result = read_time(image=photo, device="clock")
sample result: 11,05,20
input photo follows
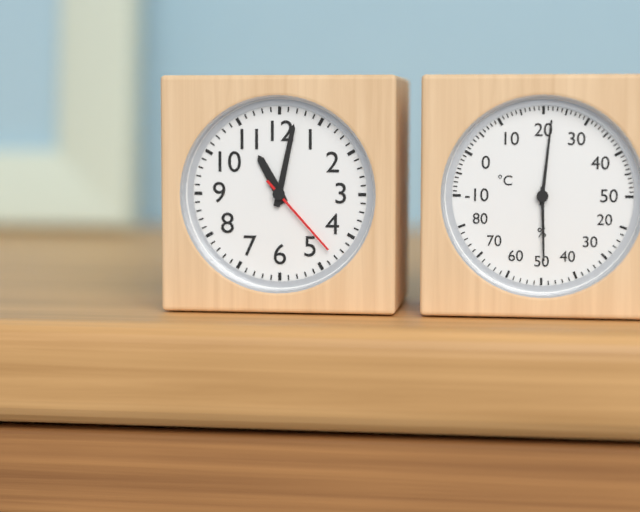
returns 11,02,23
